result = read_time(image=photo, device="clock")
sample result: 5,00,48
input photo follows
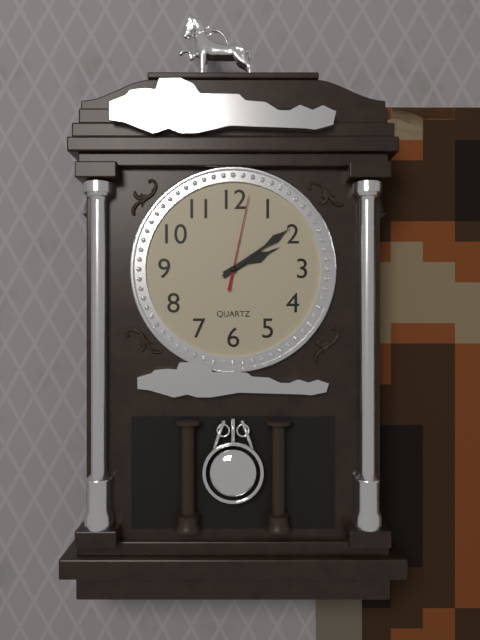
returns 2,09,02
